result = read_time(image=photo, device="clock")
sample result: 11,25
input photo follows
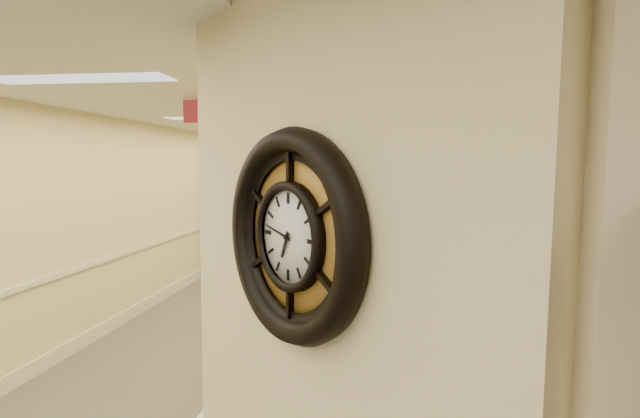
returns 6,47
